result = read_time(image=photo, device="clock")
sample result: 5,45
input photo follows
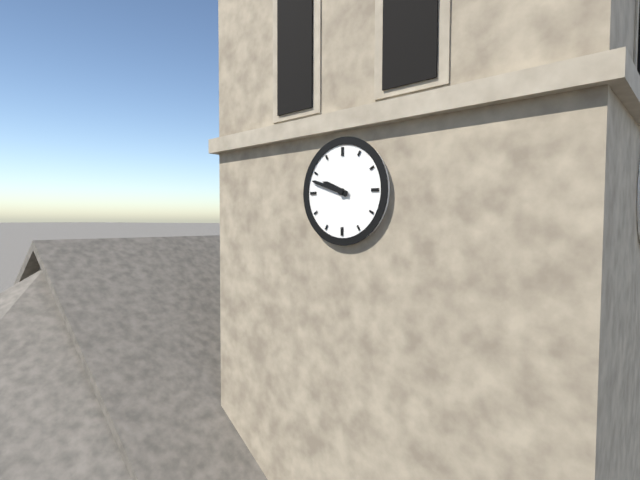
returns 9,48
